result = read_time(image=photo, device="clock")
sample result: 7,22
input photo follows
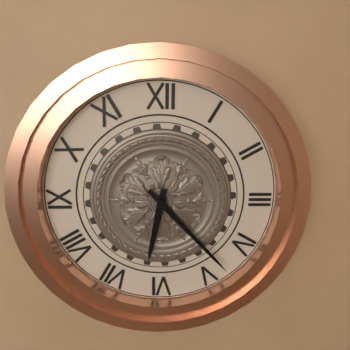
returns 6,23
